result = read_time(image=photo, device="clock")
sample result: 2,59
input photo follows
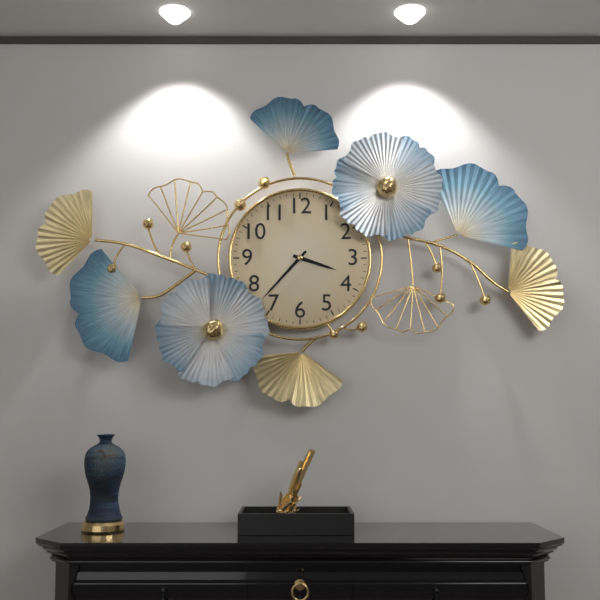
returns 3,37
